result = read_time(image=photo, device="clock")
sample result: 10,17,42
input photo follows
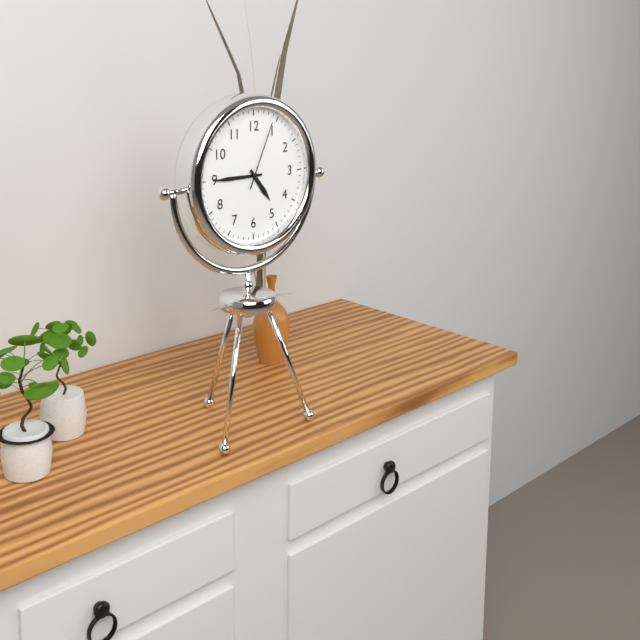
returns 4,45,04
